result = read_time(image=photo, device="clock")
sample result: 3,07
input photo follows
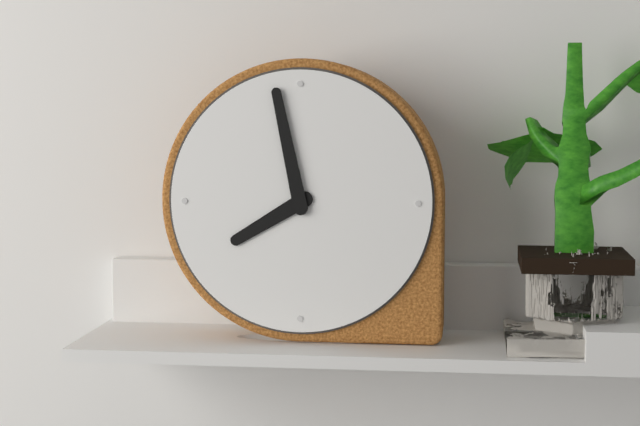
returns 7,58
